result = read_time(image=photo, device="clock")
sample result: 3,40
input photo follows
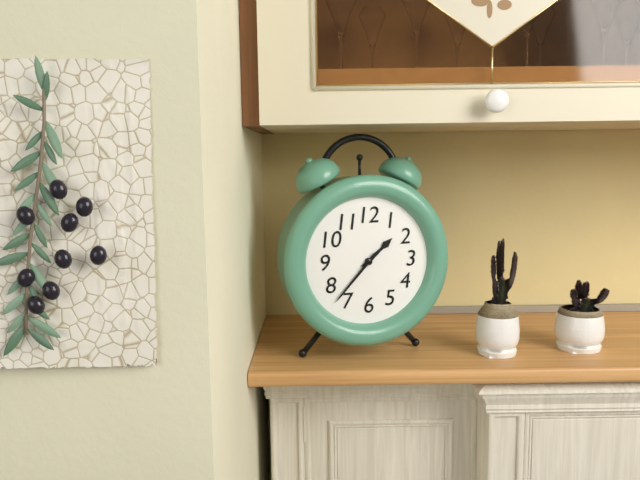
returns 1,37
